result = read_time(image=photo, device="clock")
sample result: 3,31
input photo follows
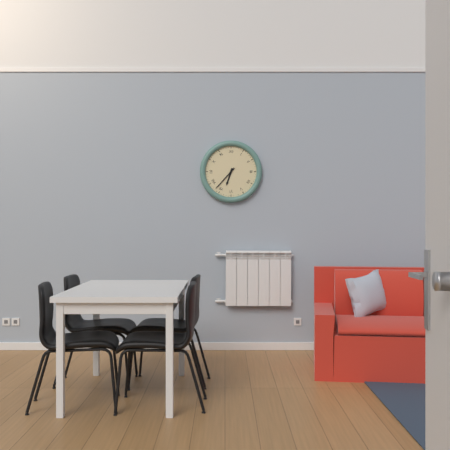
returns 6,37
